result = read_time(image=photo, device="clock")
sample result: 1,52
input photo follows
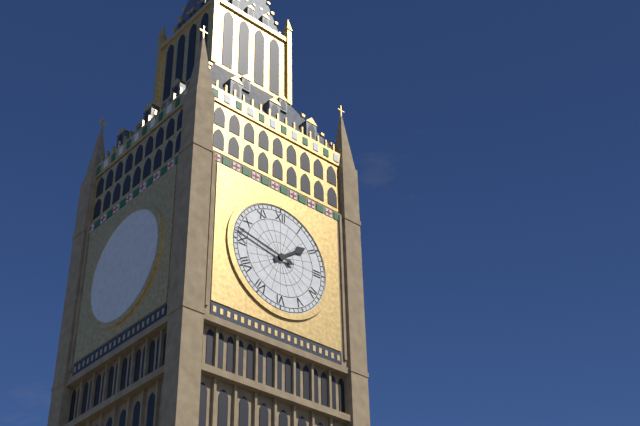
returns 1,47
